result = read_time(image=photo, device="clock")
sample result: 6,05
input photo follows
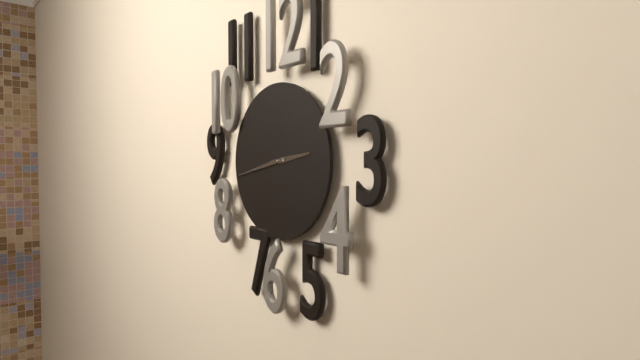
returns 2,43
